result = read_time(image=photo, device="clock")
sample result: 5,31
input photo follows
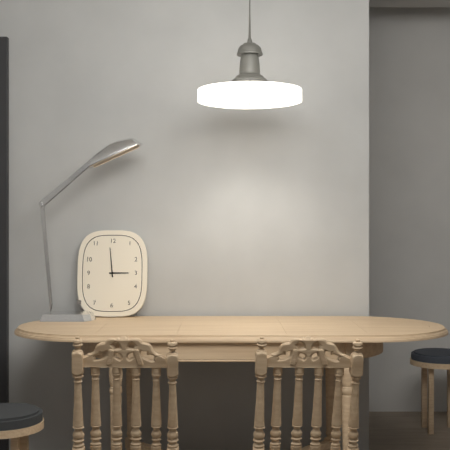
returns 2,59
